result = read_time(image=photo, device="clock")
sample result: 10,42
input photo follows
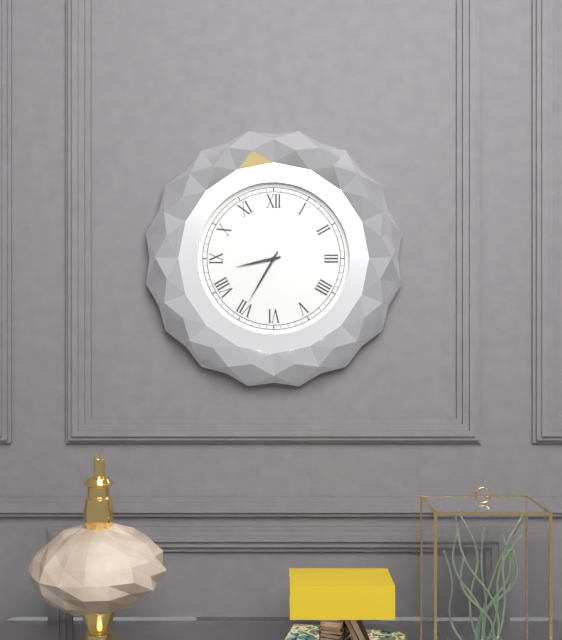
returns 8,35
